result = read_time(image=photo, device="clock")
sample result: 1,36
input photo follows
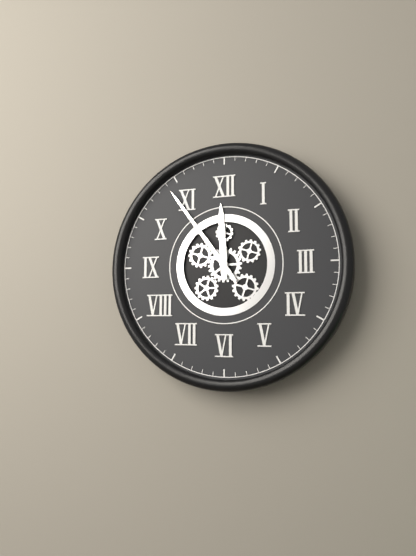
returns 11,54
